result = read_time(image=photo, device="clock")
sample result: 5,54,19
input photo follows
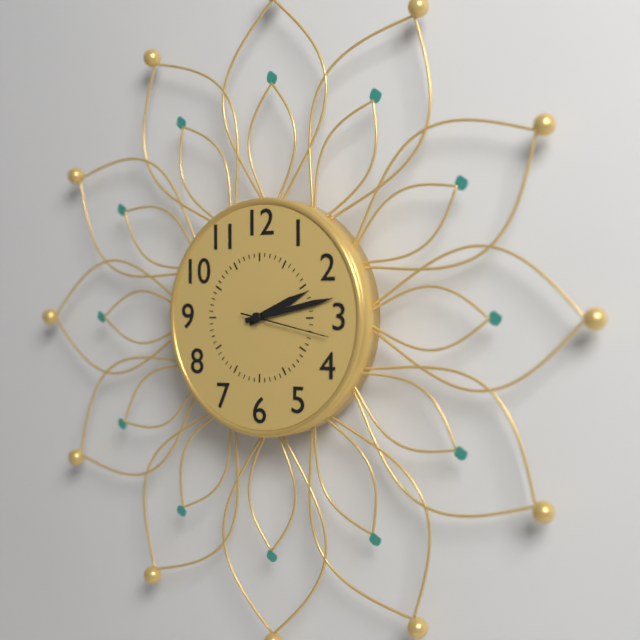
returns 2,13,17
